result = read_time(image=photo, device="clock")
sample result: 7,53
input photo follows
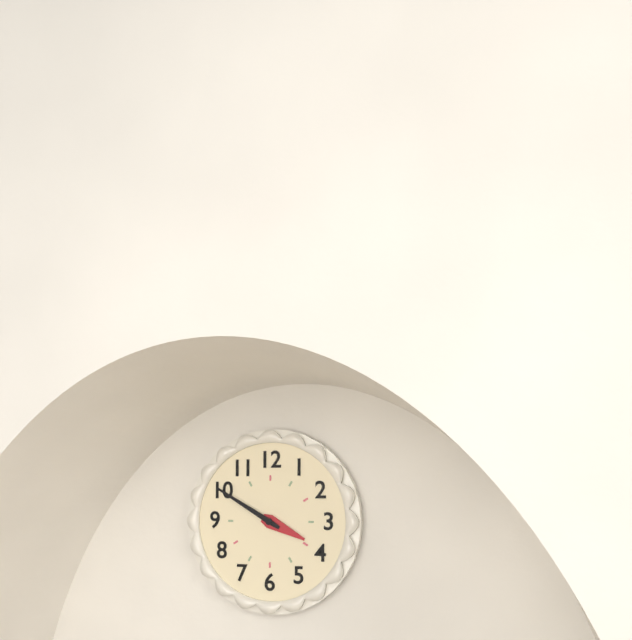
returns 3,50
